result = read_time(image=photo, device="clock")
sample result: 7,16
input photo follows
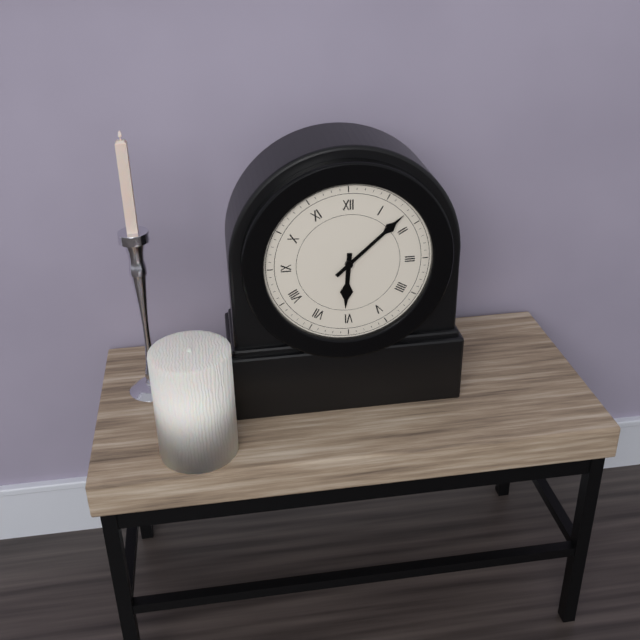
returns 6,08
